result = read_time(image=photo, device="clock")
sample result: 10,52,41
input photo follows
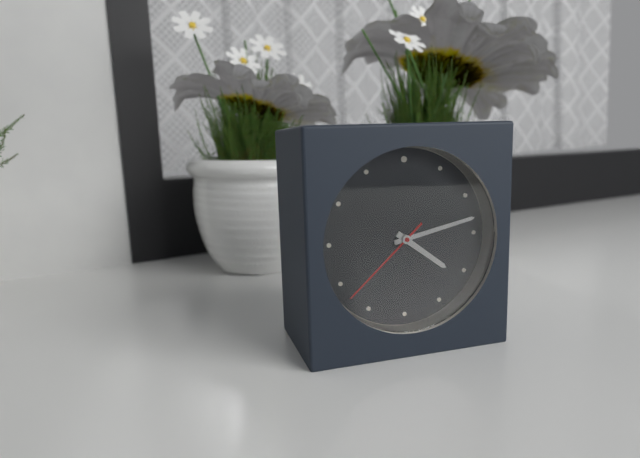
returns 4,13,38
